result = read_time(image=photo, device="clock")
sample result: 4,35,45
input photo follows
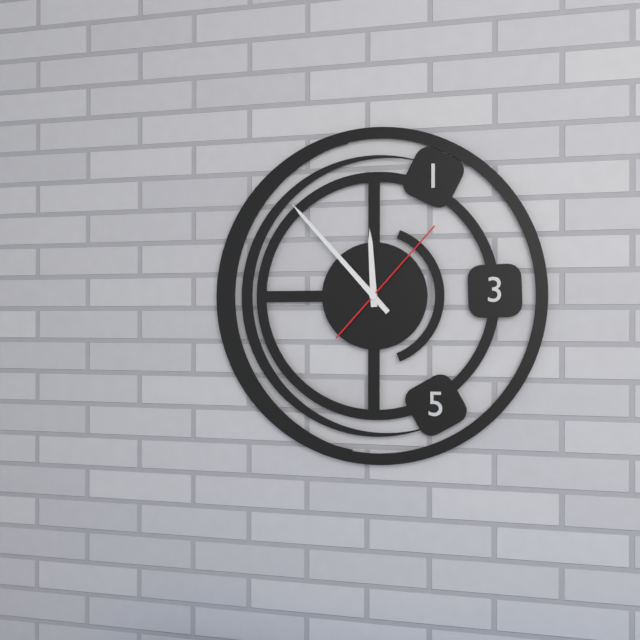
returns 11,53,07
